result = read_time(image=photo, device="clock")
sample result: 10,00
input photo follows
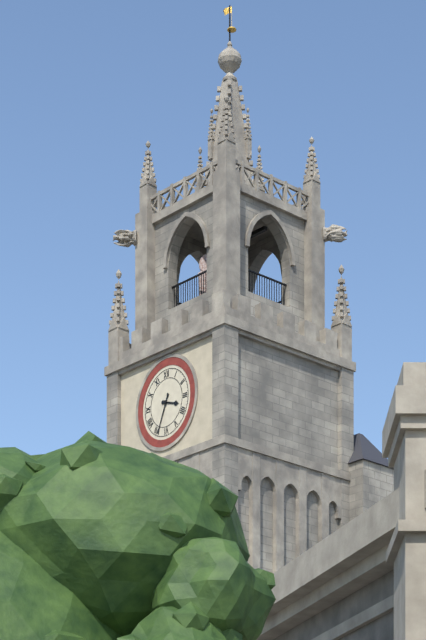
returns 3,34
